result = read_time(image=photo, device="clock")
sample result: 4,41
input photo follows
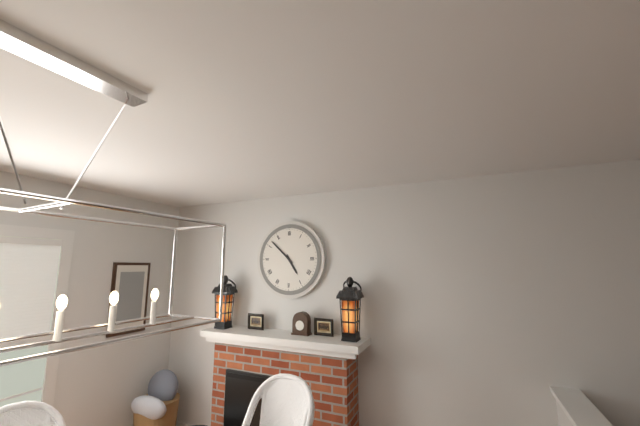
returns 4,52
